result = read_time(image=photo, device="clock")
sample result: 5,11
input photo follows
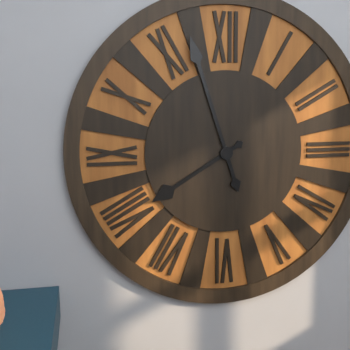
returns 7,57
